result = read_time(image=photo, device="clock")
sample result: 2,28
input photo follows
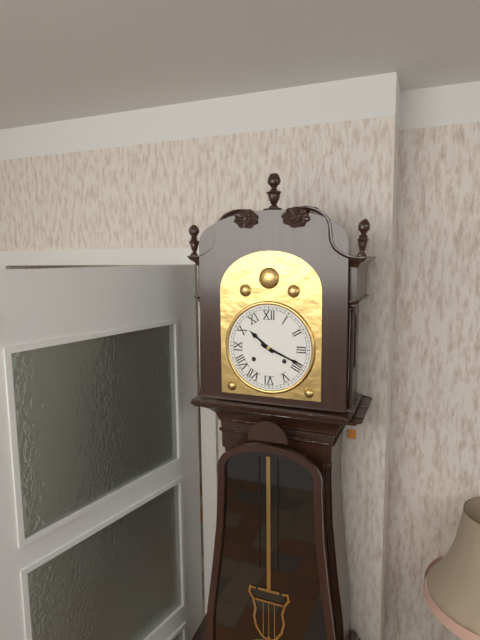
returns 10,19
